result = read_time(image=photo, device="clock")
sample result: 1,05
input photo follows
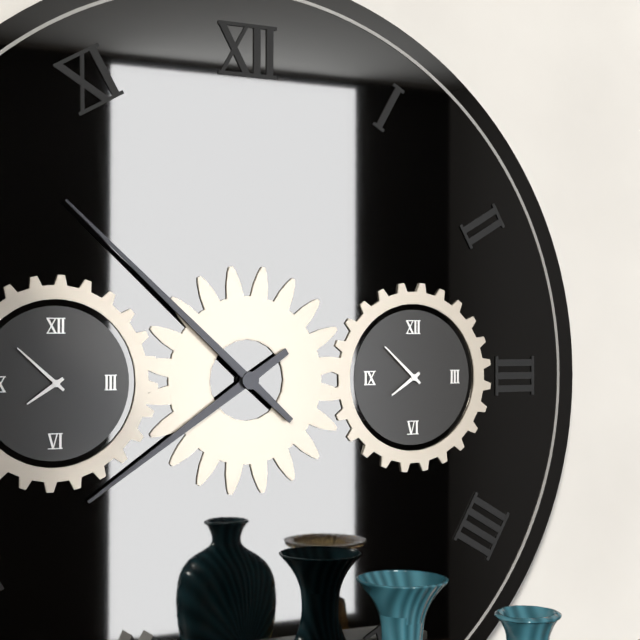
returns 7,52
